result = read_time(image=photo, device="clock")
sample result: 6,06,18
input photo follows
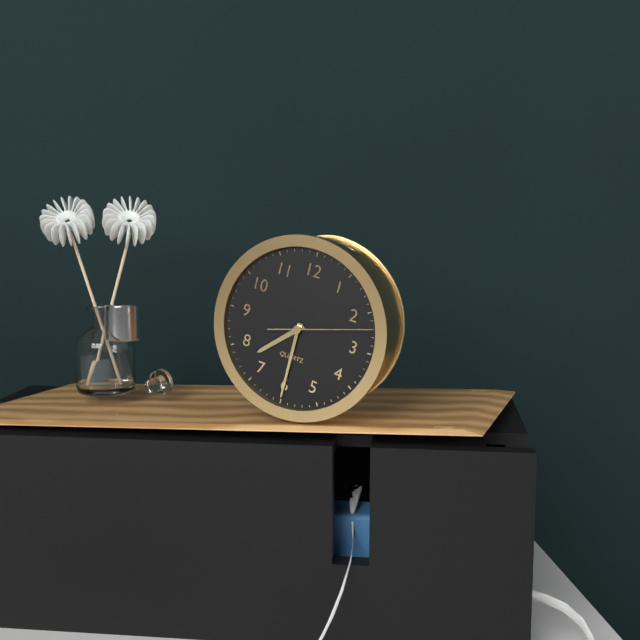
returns 7,30,12
